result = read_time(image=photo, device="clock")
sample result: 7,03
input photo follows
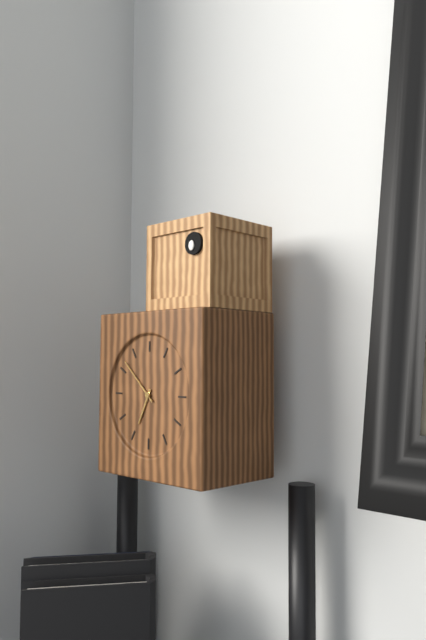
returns 6,52
